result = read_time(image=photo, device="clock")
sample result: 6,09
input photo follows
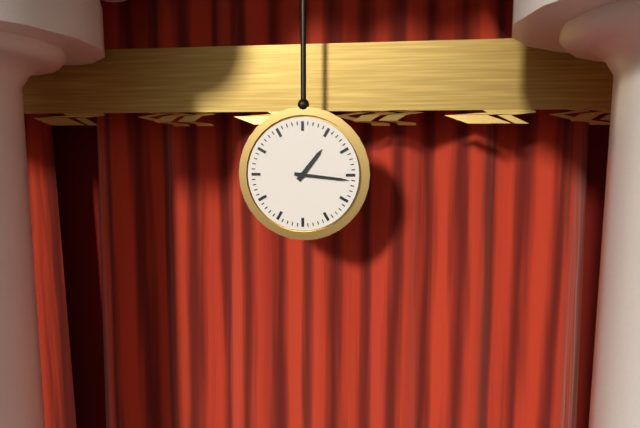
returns 1,16
